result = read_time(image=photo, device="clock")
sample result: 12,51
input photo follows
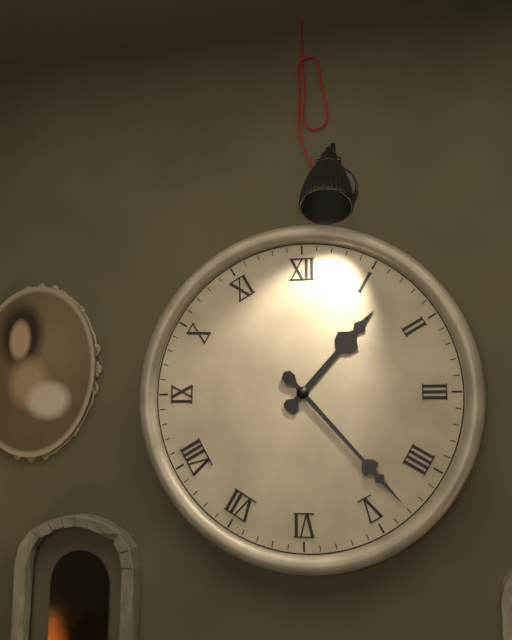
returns 1,23
